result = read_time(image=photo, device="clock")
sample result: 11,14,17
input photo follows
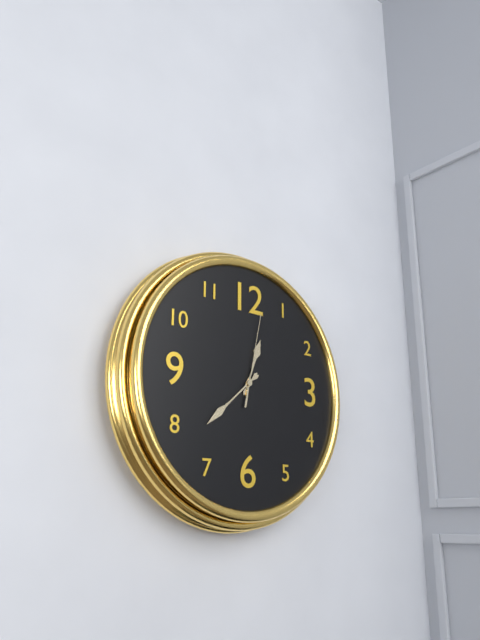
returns 12,38,02
